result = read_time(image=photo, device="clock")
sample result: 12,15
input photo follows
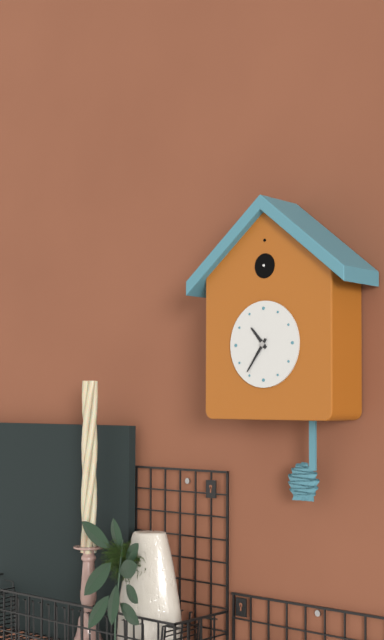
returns 10,36
